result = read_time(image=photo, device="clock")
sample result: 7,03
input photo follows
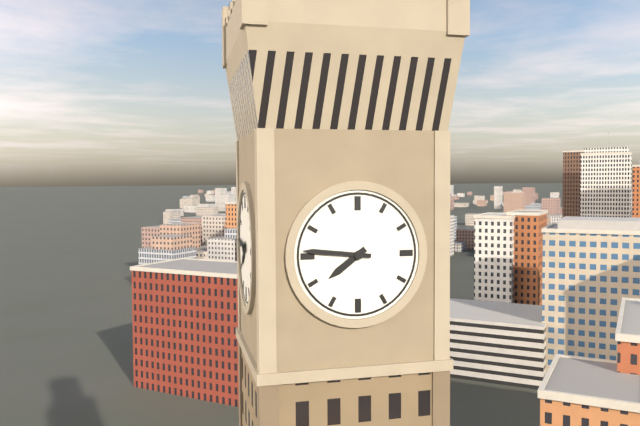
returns 7,46
